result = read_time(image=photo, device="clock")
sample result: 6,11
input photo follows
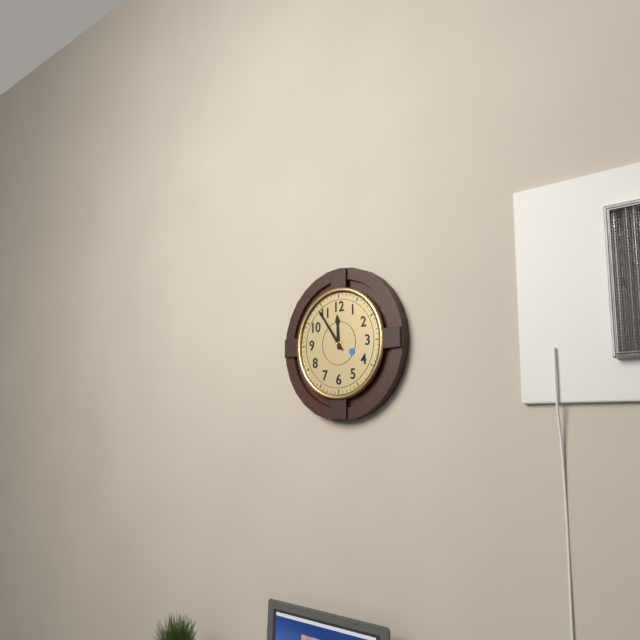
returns 11,54
